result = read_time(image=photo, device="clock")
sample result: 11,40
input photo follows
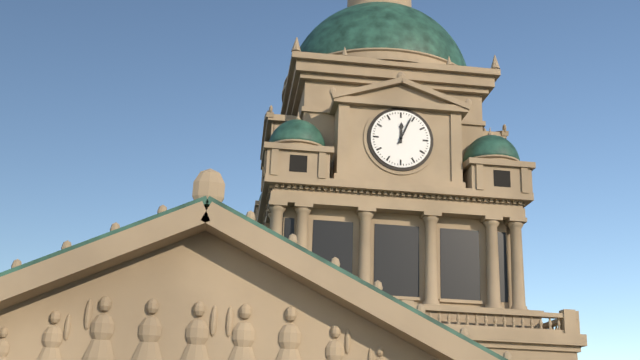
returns 12,04
